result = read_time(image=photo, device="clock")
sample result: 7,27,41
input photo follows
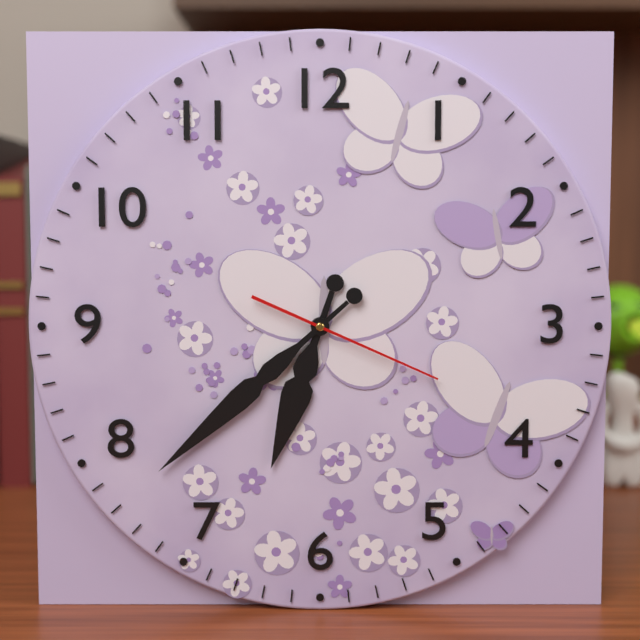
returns 6,38,19
